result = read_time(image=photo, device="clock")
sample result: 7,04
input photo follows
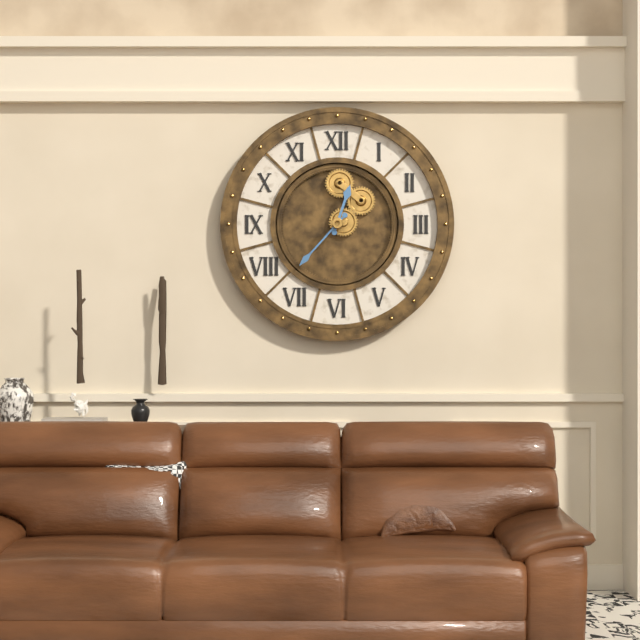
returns 12,37
